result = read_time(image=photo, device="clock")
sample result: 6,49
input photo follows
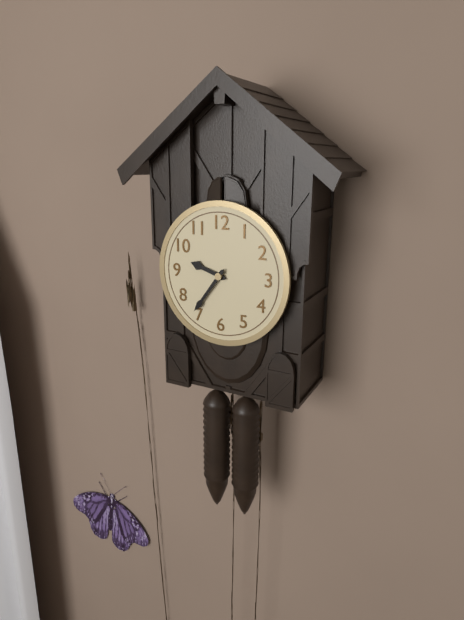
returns 9,36
